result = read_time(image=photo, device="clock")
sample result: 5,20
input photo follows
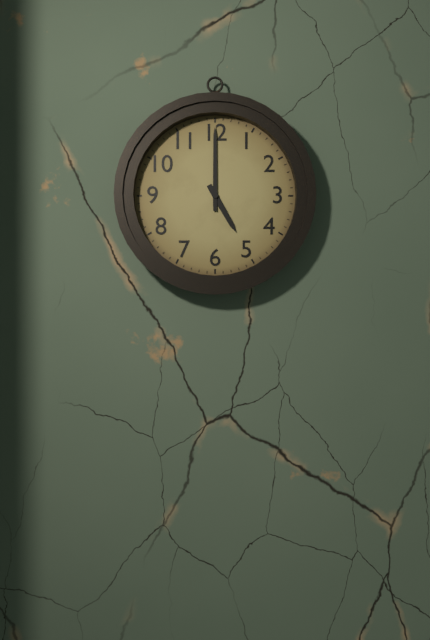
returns 5,00
